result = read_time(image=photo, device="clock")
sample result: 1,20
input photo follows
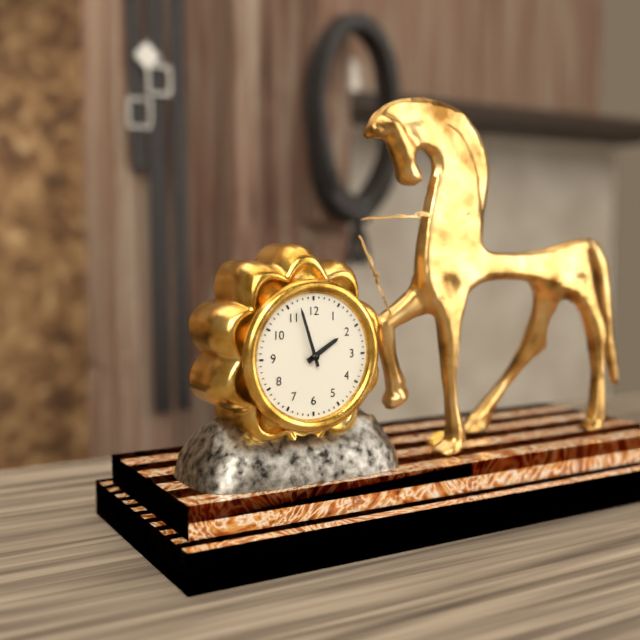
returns 1,57
